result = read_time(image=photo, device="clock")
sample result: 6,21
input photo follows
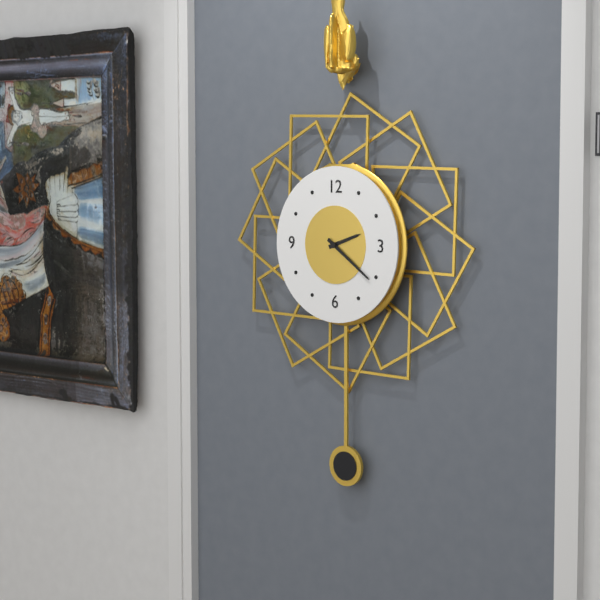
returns 2,21
